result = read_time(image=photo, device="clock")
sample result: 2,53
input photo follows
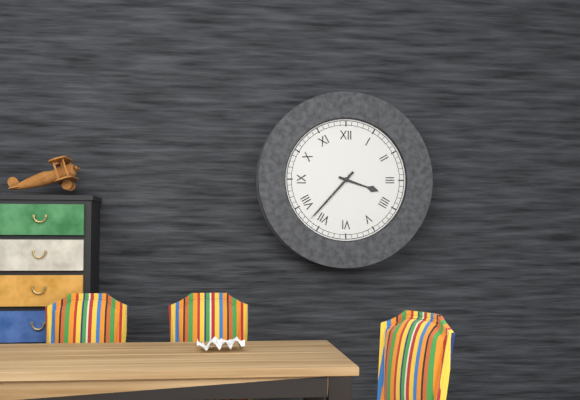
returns 3,37
